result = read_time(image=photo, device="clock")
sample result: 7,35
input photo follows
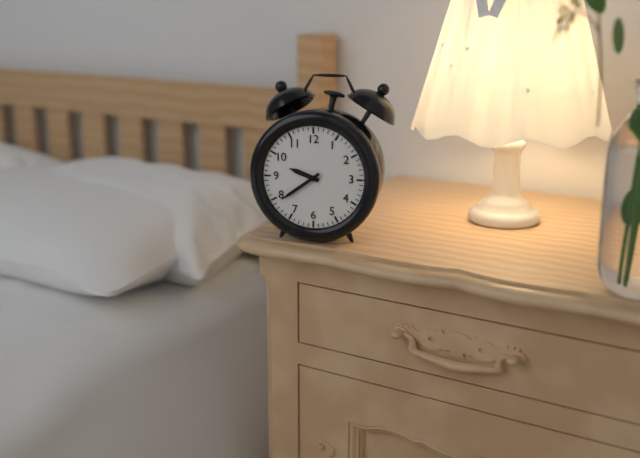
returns 9,39
